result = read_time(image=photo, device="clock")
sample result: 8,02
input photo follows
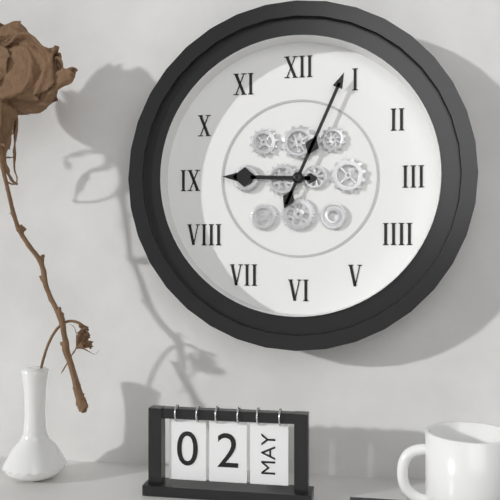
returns 9,04
